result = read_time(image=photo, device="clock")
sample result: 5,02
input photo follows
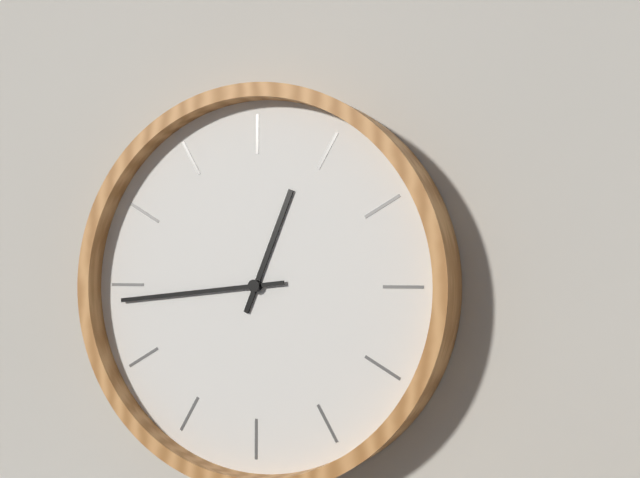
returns 12,44
